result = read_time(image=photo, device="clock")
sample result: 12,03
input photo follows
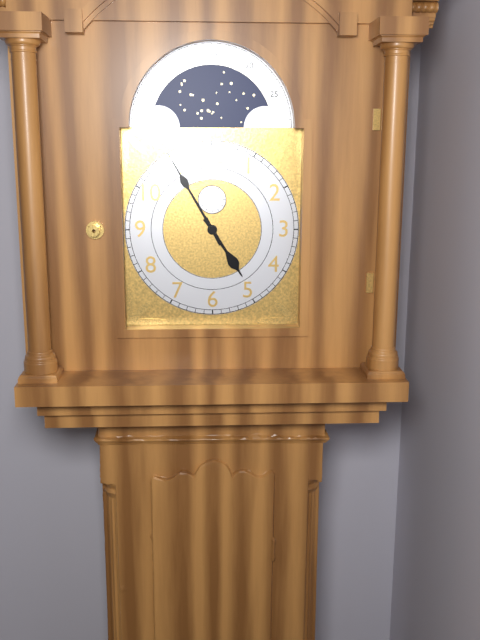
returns 4,55
